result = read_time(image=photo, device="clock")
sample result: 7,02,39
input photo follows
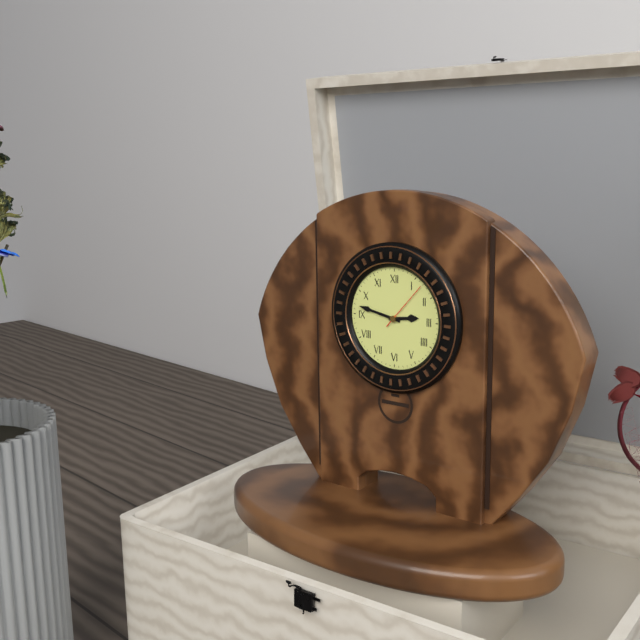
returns 2,47,07
